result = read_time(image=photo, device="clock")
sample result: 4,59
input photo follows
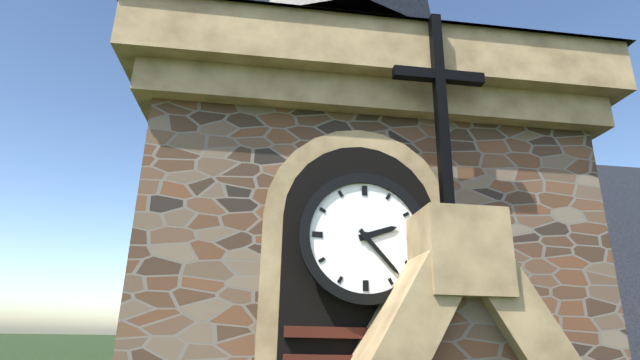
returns 2,23
